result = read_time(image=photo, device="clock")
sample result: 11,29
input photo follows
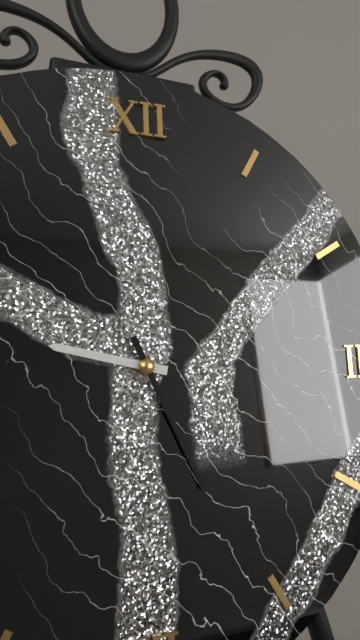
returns 9,26
